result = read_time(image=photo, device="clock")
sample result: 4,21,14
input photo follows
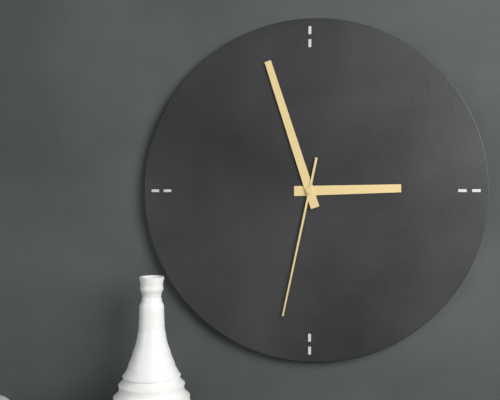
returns 2,57,32
